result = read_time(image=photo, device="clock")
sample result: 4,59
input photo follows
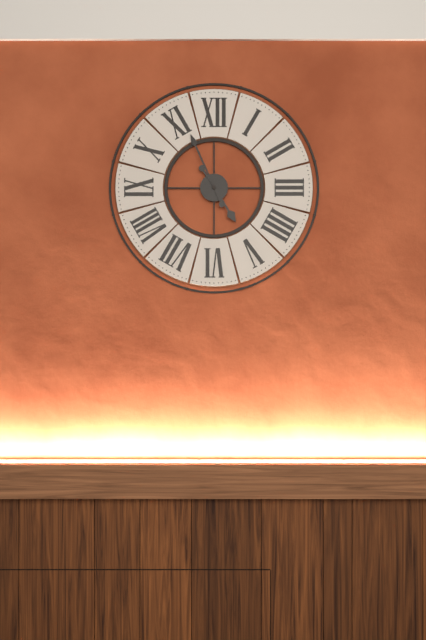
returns 4,56
